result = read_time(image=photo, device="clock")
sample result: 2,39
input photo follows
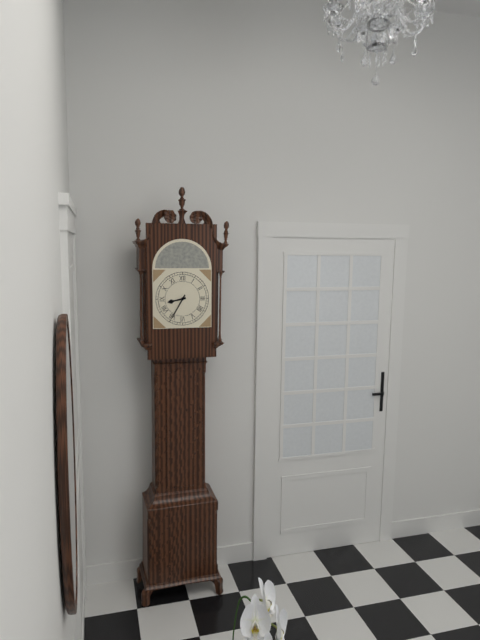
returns 8,35
